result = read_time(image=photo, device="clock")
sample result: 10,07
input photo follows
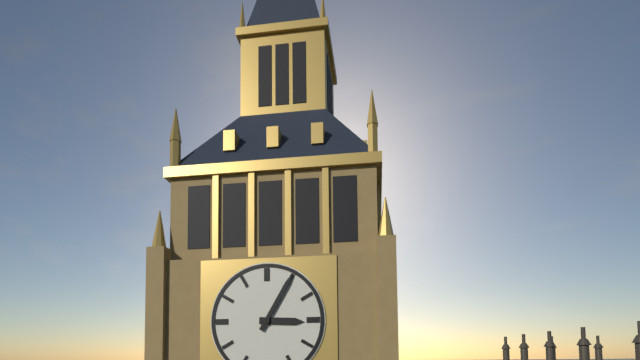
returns 3,05
